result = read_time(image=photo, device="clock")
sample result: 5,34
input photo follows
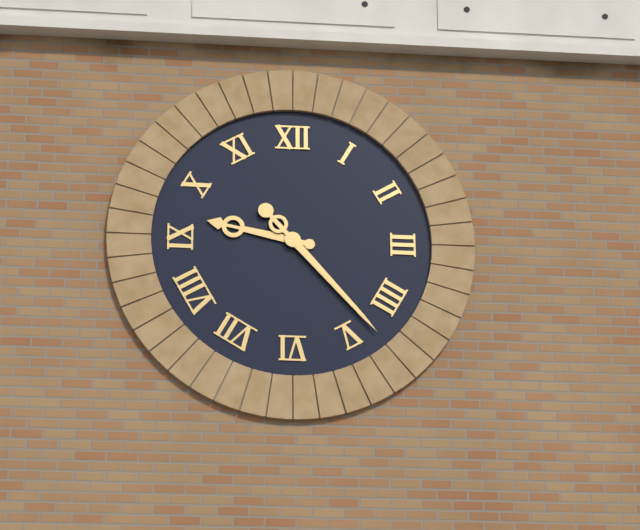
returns 9,23
